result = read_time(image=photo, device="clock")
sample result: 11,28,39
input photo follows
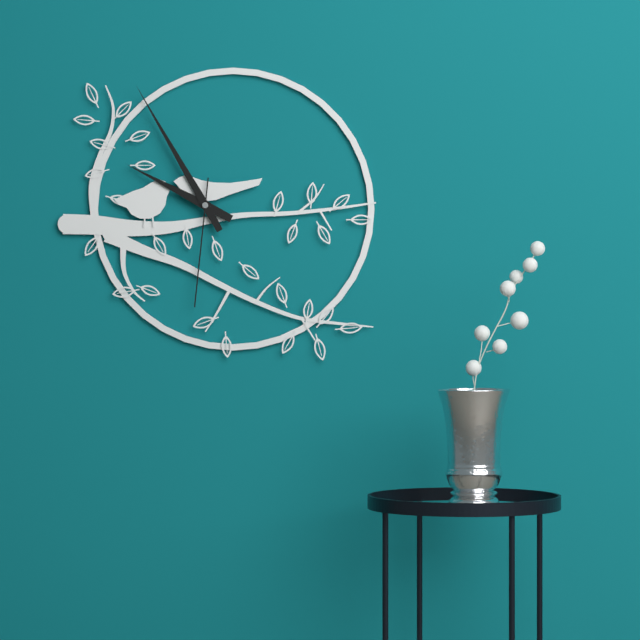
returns 9,55,31
